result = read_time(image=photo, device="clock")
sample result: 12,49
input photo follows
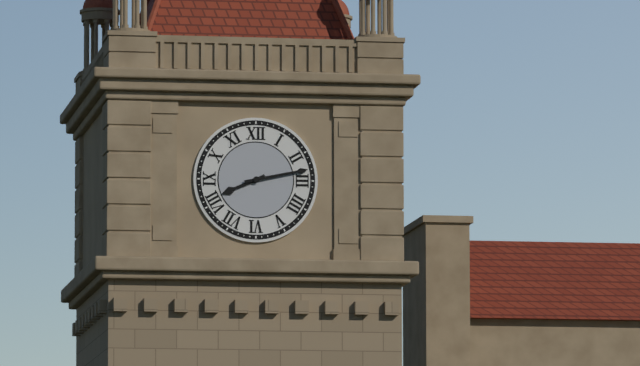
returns 8,13
